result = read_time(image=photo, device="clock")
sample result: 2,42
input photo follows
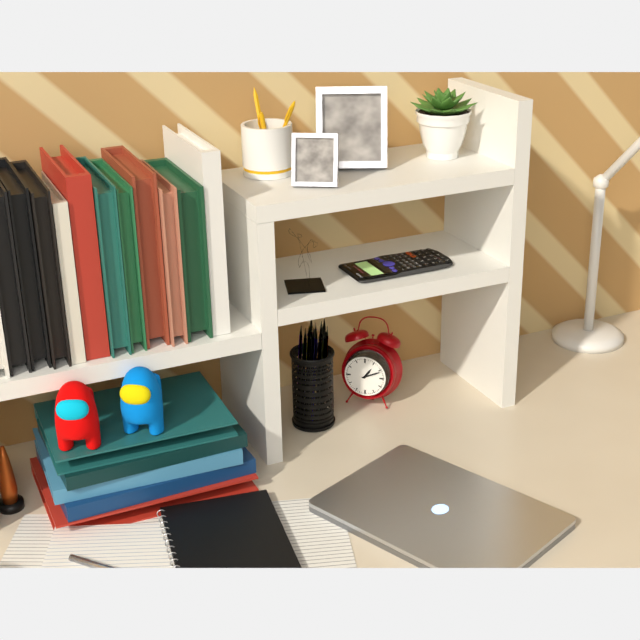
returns 1,11
